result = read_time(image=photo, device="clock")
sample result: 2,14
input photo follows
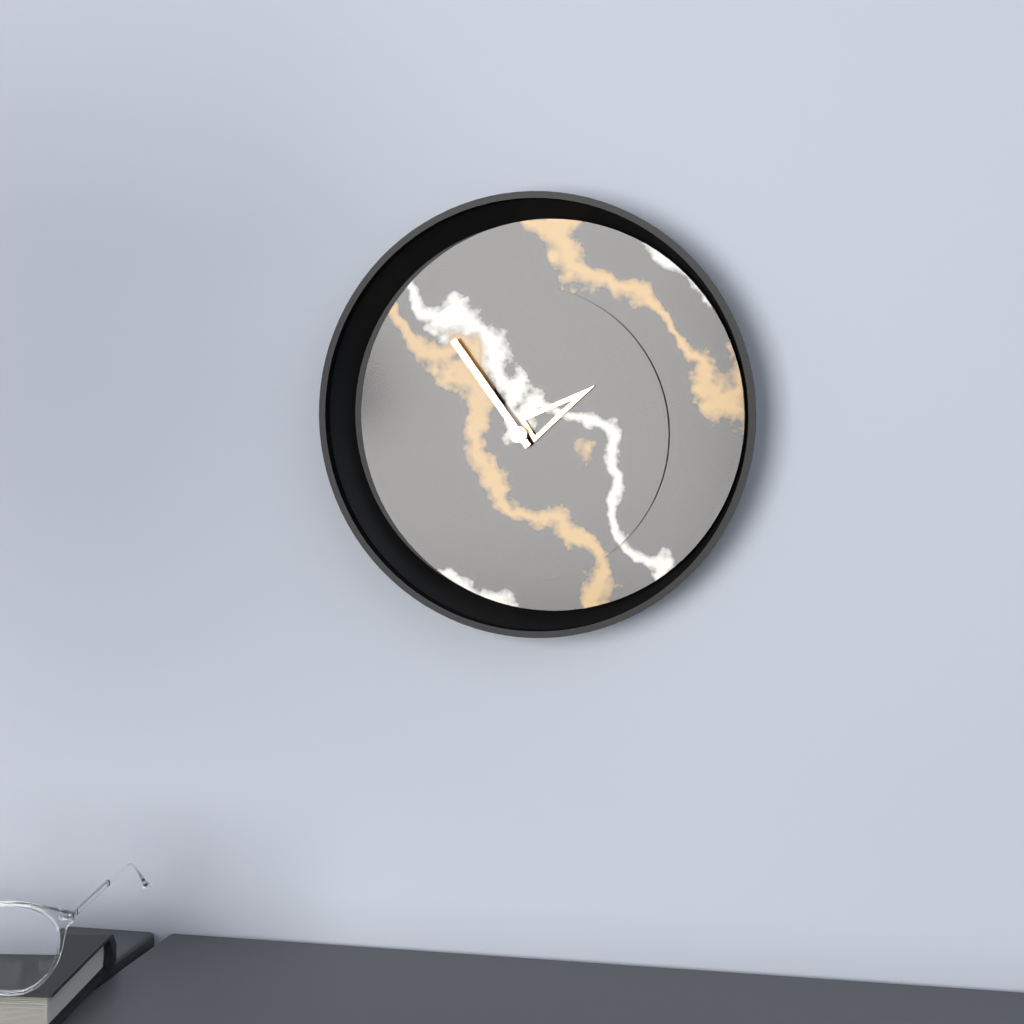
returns 1,54
